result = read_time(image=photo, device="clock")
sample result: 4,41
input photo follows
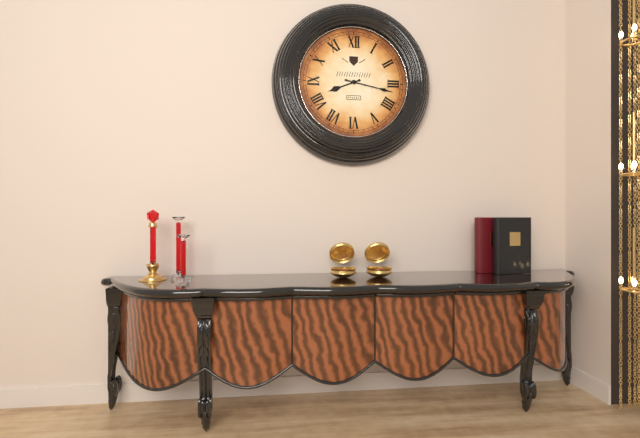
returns 8,17
